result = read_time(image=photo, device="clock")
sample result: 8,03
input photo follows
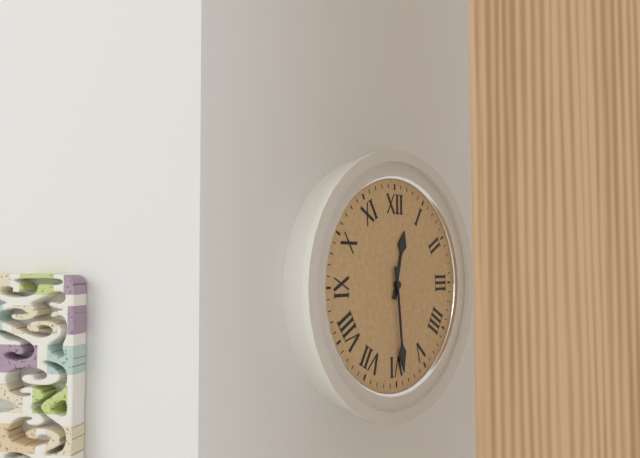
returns 12,29
